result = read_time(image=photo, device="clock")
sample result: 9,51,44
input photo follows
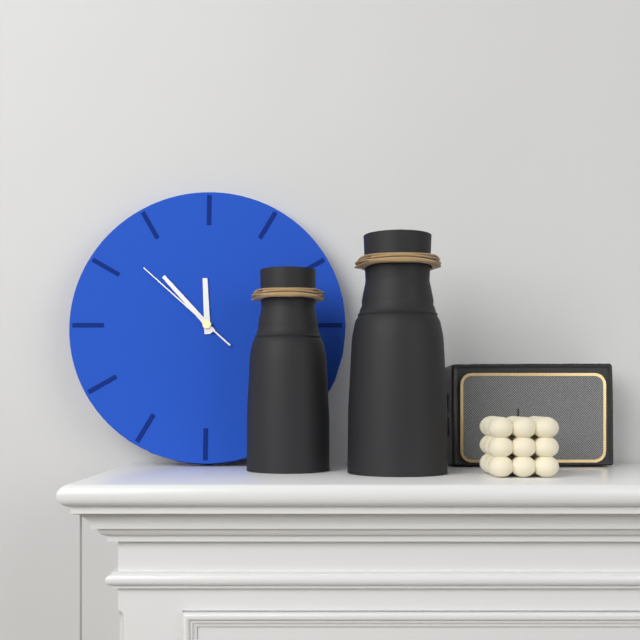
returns 11,53,52
